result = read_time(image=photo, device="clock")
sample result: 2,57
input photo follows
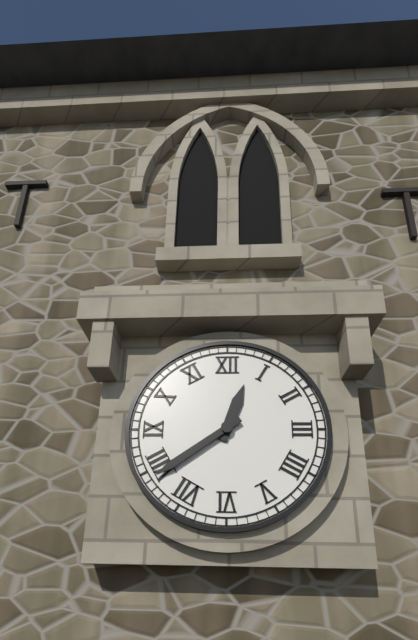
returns 12,39
